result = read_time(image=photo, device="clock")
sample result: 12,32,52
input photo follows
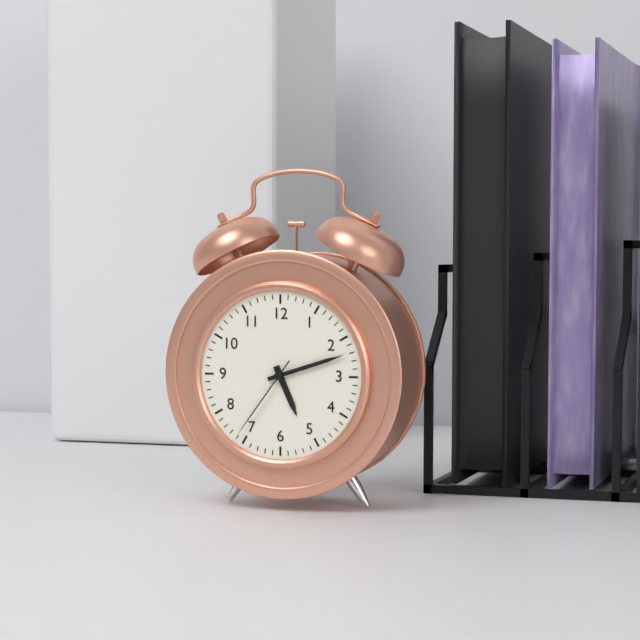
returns 5,12,36
